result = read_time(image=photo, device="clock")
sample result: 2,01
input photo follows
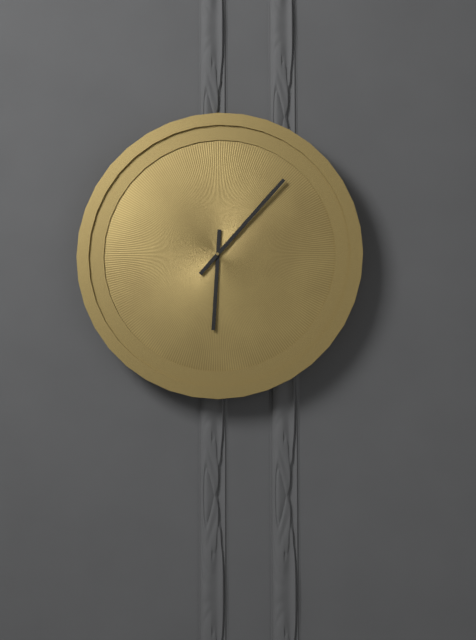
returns 6,07
